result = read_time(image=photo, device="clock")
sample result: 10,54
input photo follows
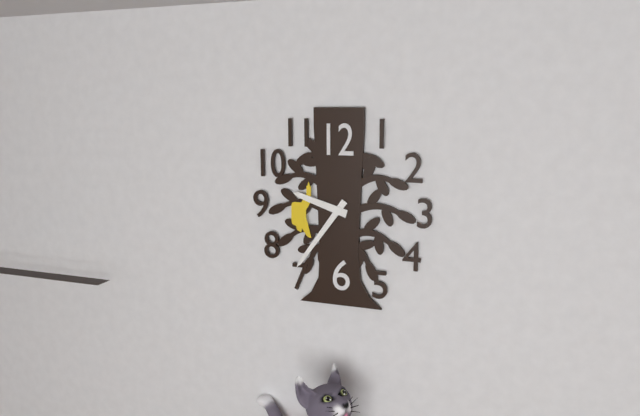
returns 9,36
